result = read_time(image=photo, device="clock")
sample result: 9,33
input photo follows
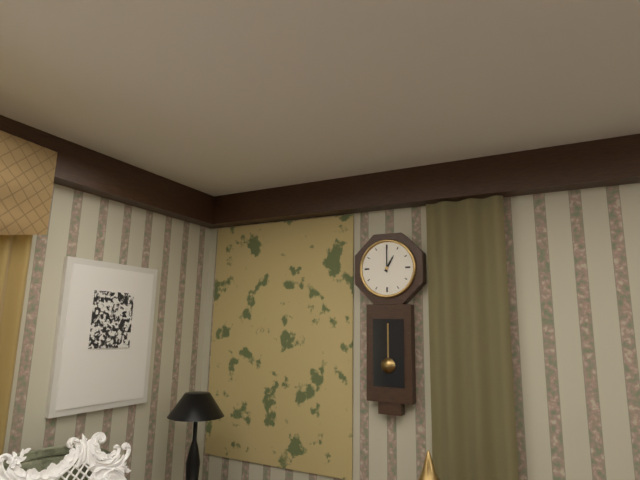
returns 1,00
